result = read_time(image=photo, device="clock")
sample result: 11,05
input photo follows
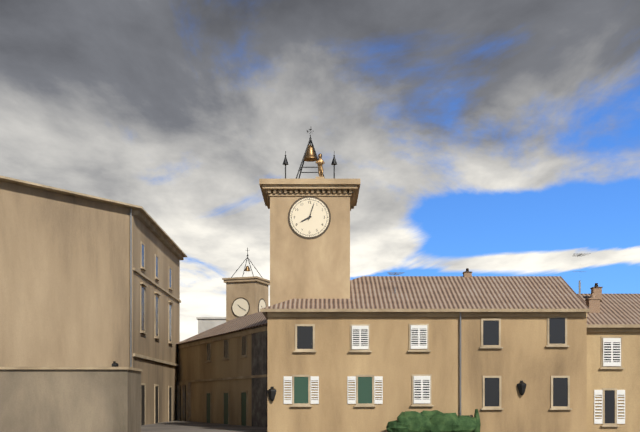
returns 8,03
